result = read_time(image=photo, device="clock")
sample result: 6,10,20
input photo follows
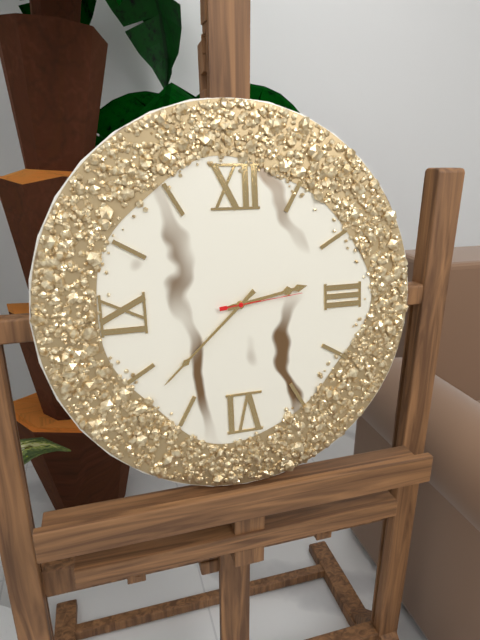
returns 2,38,14
